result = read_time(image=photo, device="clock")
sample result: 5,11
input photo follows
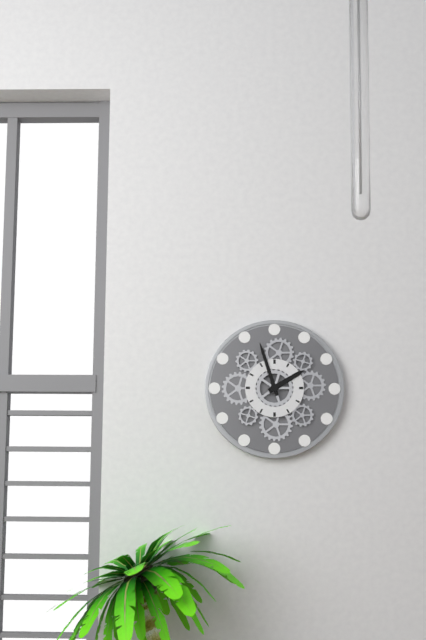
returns 1,57
